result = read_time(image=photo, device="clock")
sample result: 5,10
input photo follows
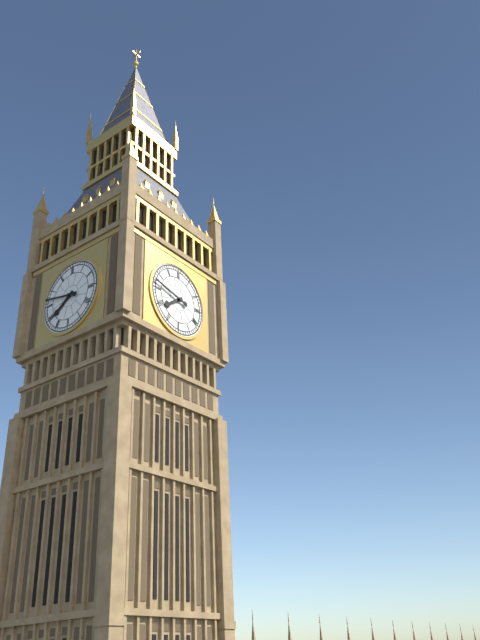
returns 7,47
